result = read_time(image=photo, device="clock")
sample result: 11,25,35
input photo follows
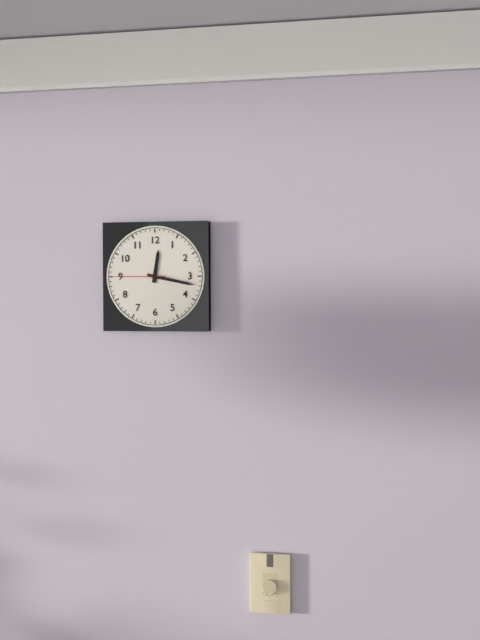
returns 12,17,45
